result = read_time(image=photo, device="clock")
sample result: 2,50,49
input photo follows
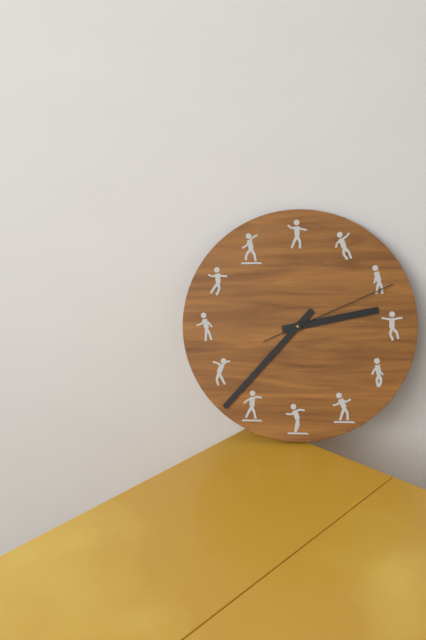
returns 2,37,11
